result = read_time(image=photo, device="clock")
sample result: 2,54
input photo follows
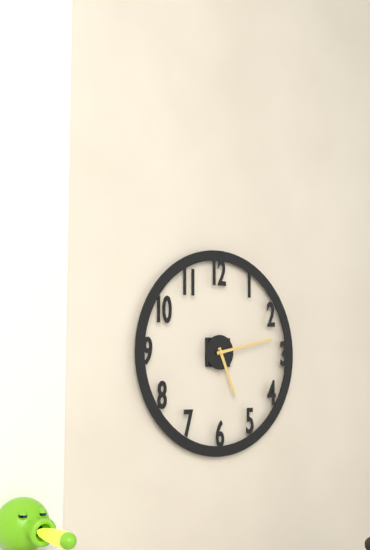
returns 5,13
